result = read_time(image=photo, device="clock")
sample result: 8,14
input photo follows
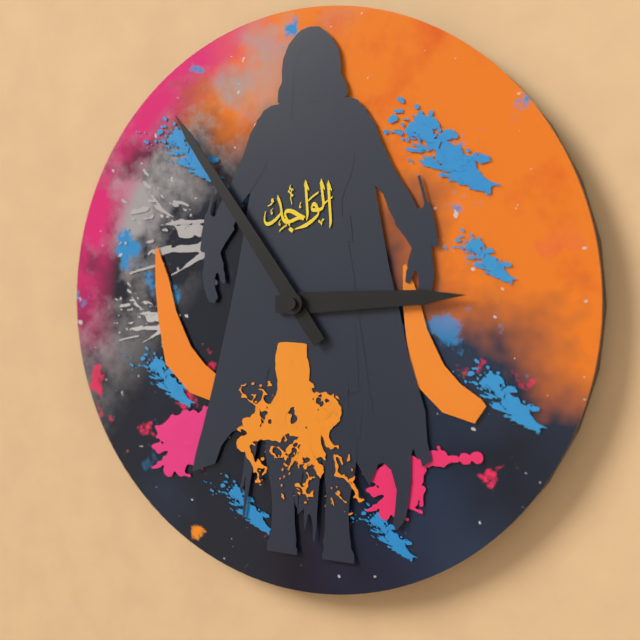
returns 2,54
